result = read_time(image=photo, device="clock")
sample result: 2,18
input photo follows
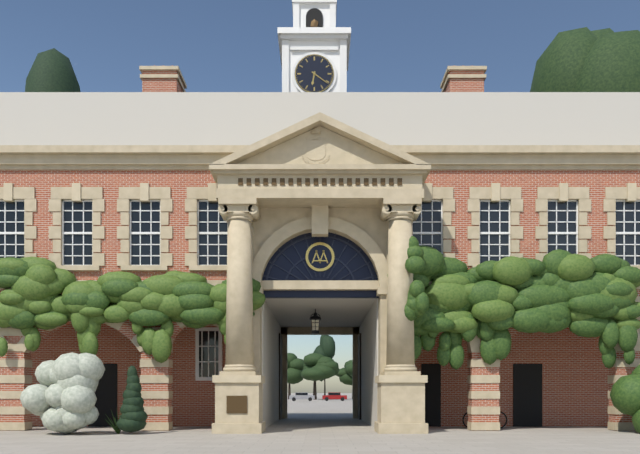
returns 6,21
